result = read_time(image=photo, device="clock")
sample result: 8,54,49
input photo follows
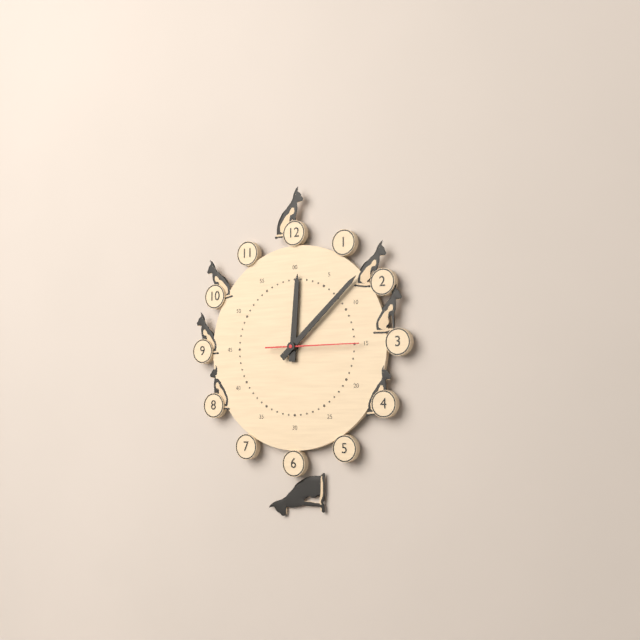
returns 12,08,15
